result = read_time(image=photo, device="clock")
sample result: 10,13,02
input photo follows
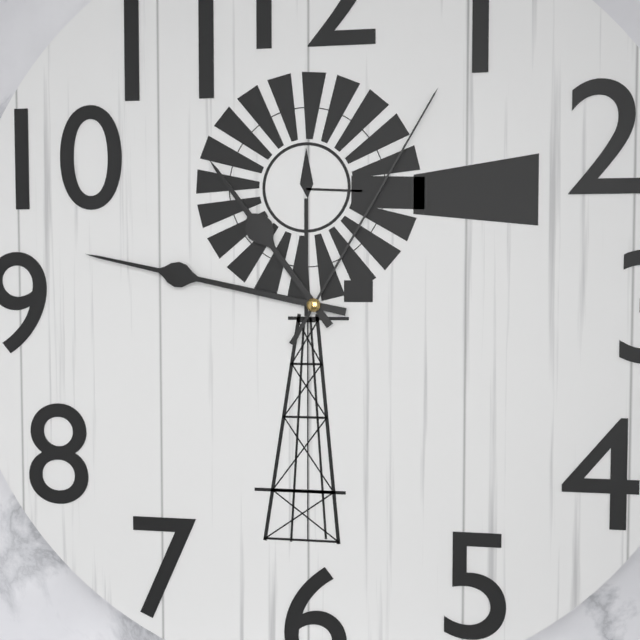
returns 10,47,05
